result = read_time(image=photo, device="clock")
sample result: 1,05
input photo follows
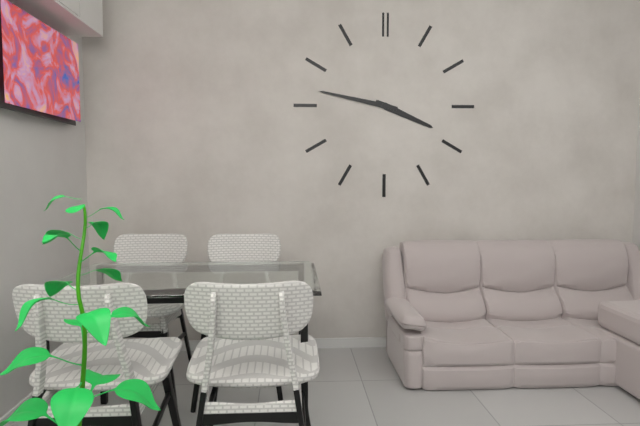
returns 3,47
